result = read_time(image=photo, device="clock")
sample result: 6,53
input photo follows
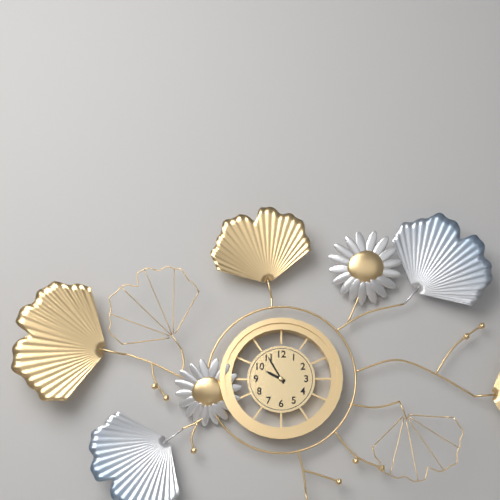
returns 9,55
